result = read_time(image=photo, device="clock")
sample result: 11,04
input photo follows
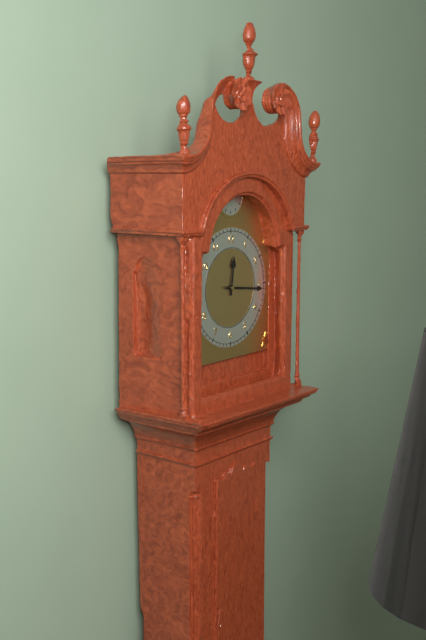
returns 12,16
